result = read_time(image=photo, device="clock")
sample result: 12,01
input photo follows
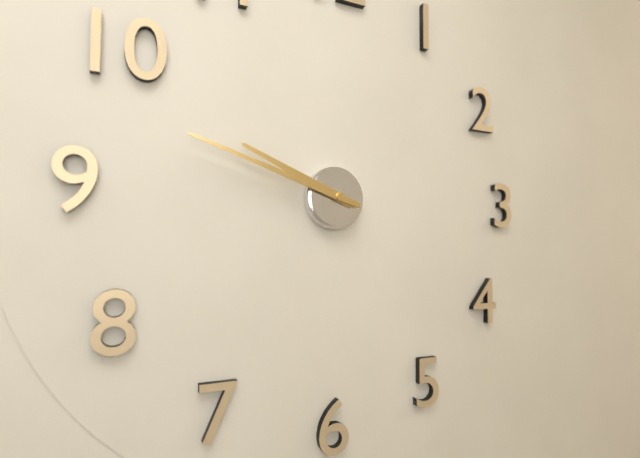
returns 9,48
